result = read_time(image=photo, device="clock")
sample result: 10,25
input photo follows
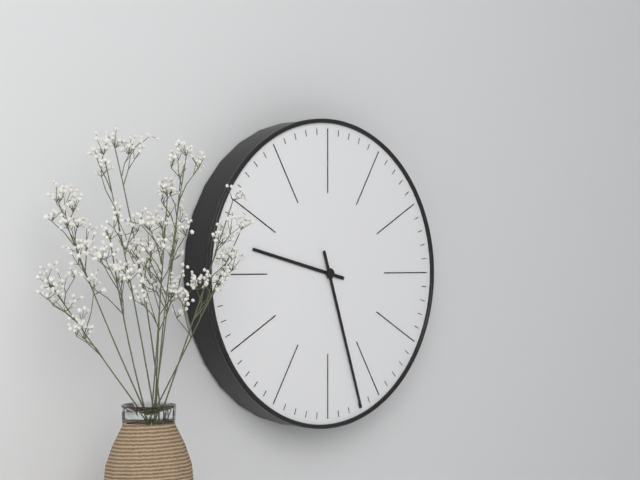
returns 9,27
